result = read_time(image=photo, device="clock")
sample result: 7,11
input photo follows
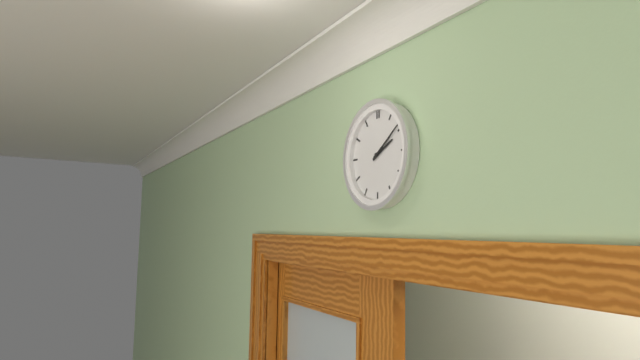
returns 2,09
